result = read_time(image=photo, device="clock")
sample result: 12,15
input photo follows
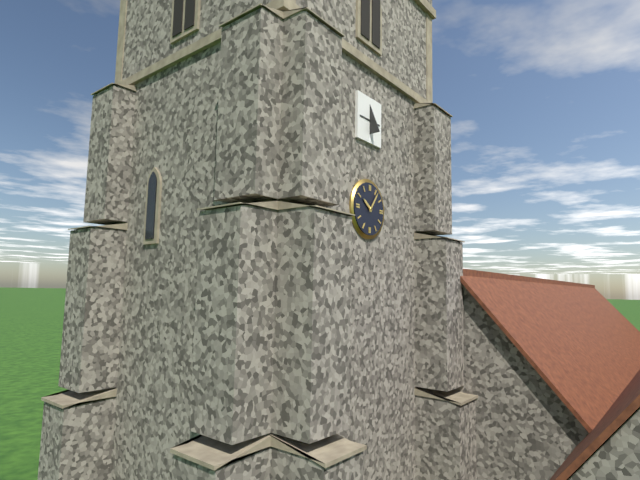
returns 10,06
